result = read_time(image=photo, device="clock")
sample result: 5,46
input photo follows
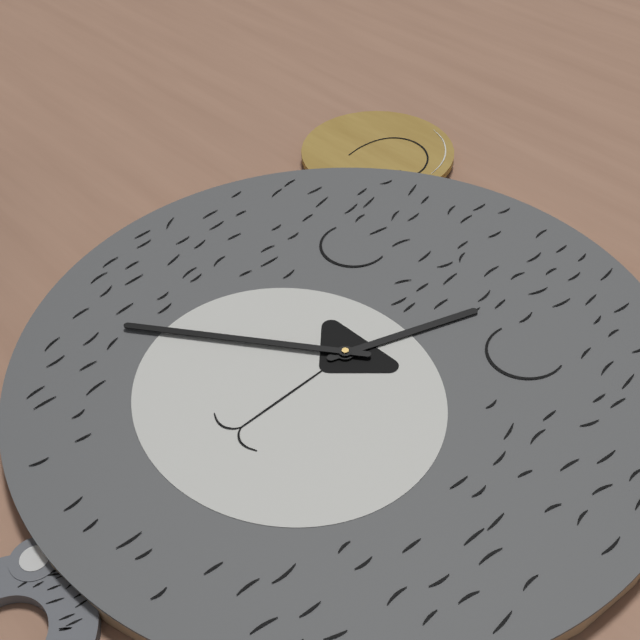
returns 12,39
